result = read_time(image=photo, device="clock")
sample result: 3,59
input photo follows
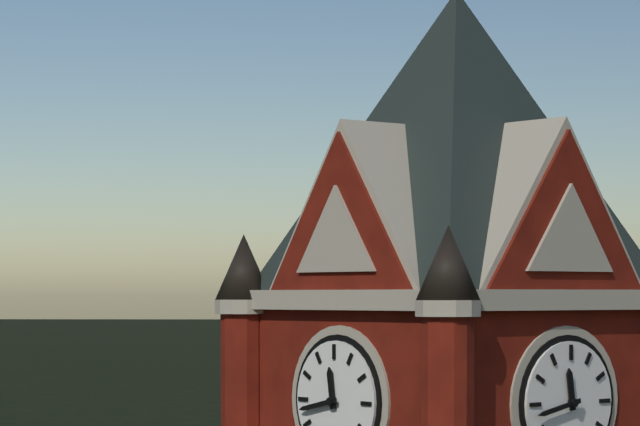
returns 11,43
